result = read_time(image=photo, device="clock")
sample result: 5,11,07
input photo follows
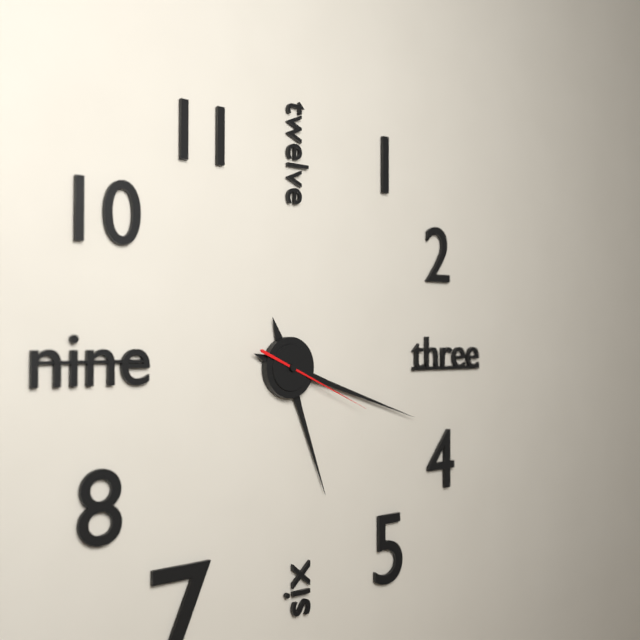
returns 5,18,19
